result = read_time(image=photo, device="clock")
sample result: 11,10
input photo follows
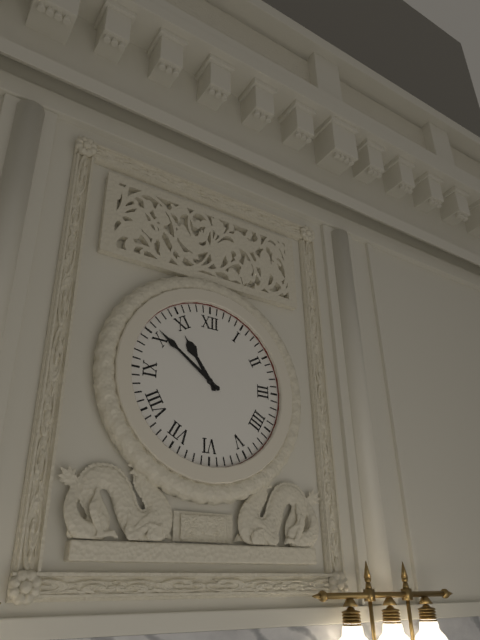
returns 10,51
